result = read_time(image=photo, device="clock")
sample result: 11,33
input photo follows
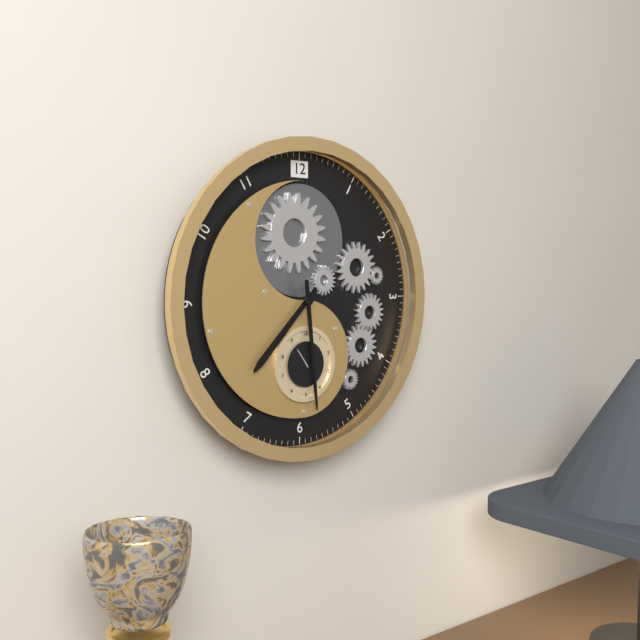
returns 7,29
